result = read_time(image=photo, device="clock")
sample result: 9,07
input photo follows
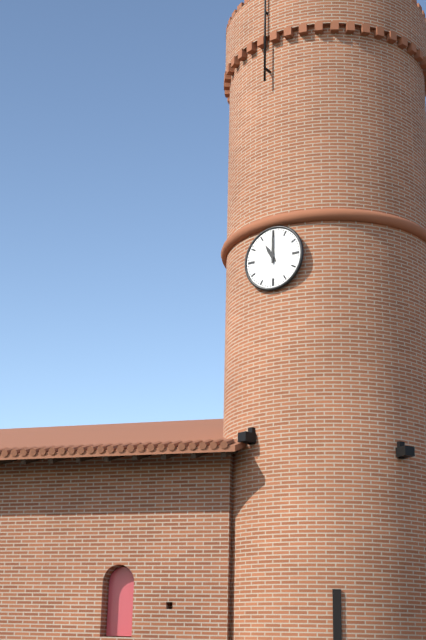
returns 11,00
